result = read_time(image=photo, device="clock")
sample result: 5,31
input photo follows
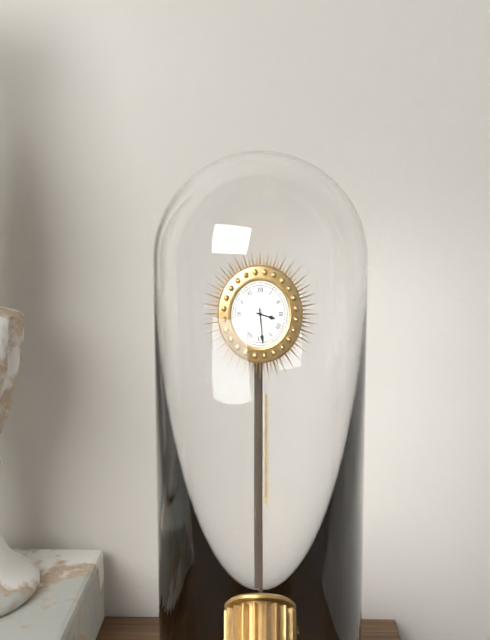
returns 3,29
